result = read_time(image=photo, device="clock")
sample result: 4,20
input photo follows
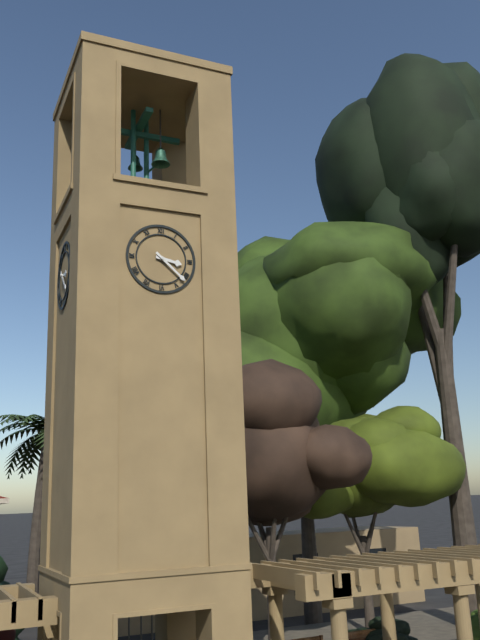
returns 3,22
